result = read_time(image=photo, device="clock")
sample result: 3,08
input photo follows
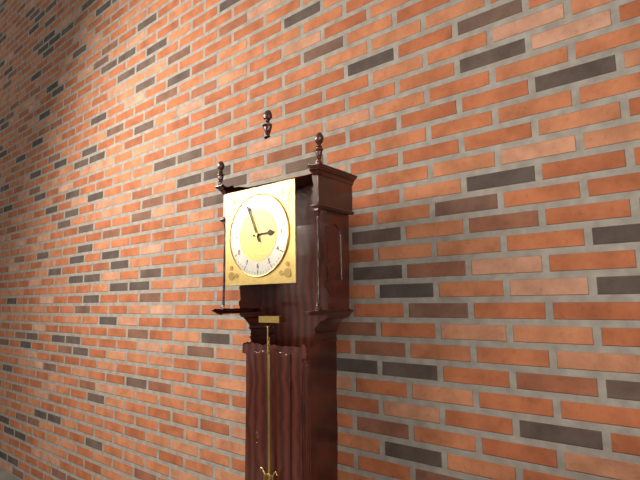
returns 2,56
